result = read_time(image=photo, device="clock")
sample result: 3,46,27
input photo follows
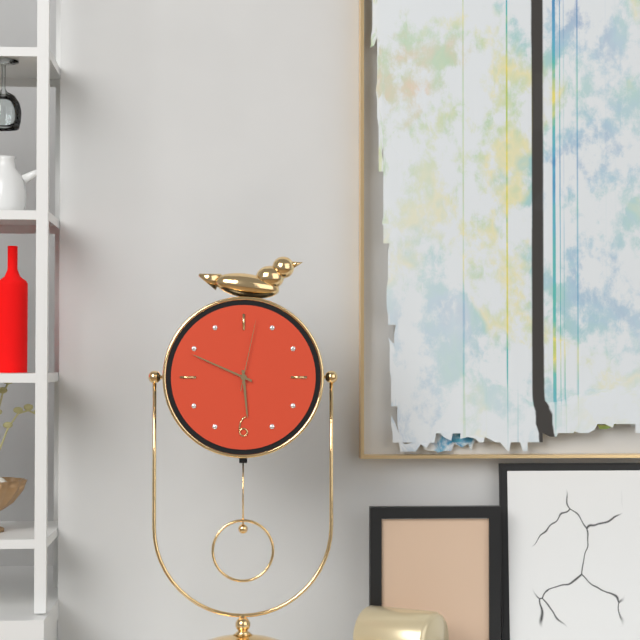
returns 5,49,02
